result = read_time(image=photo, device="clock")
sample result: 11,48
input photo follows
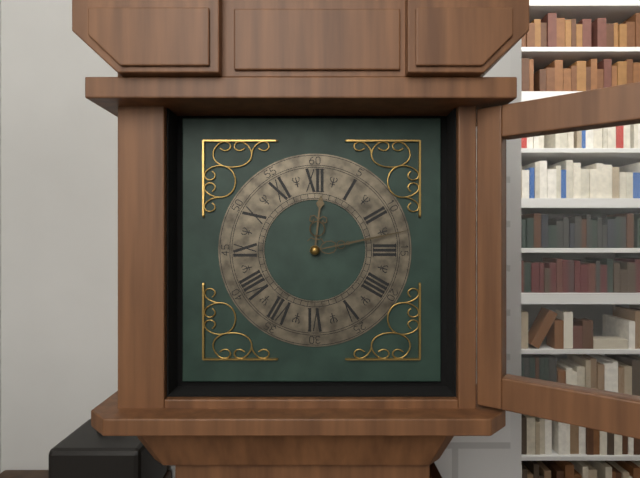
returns 12,13
